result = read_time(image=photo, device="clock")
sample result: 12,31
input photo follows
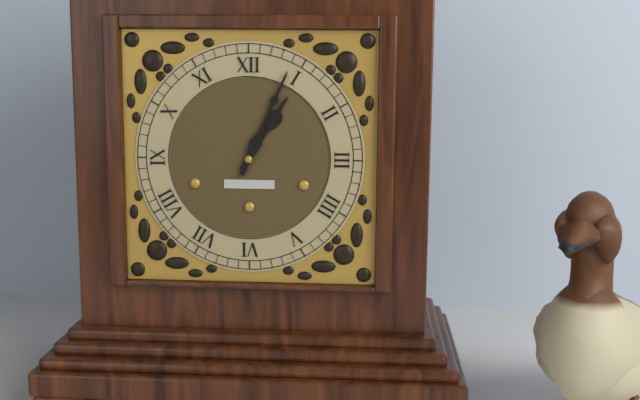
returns 1,04
